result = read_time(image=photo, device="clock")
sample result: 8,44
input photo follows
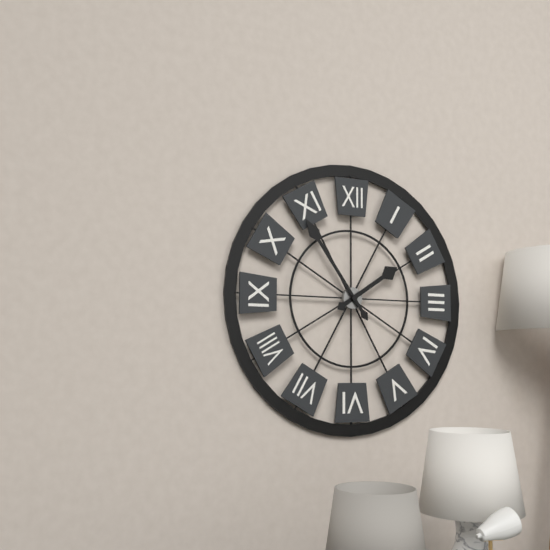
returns 1,54
